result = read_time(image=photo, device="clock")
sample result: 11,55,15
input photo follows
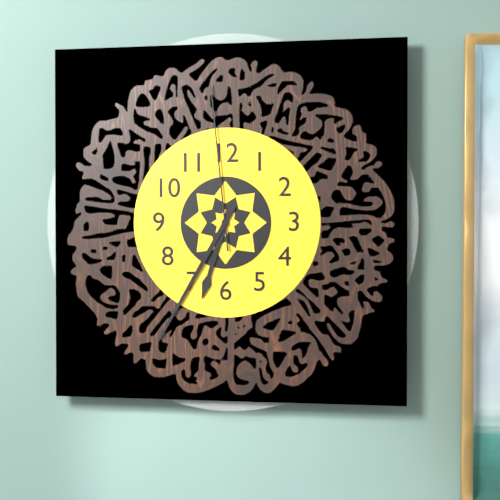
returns 6,35,59
